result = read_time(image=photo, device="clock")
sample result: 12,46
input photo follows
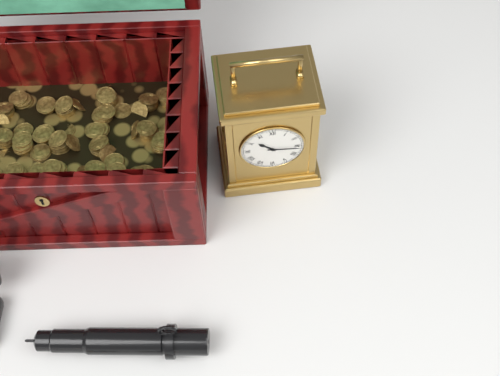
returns 10,16
